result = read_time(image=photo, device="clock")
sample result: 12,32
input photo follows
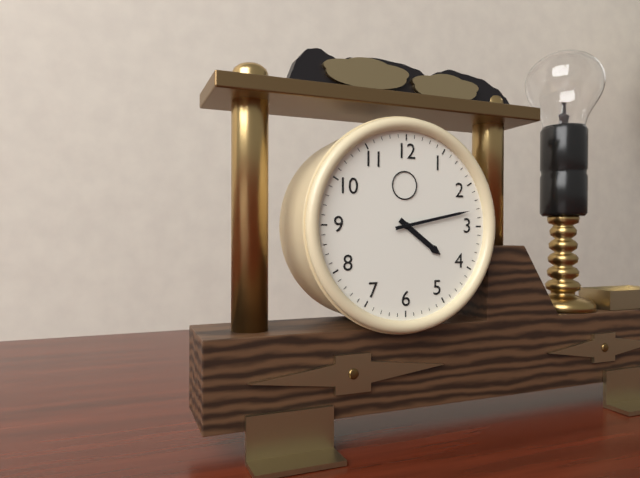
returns 4,13
